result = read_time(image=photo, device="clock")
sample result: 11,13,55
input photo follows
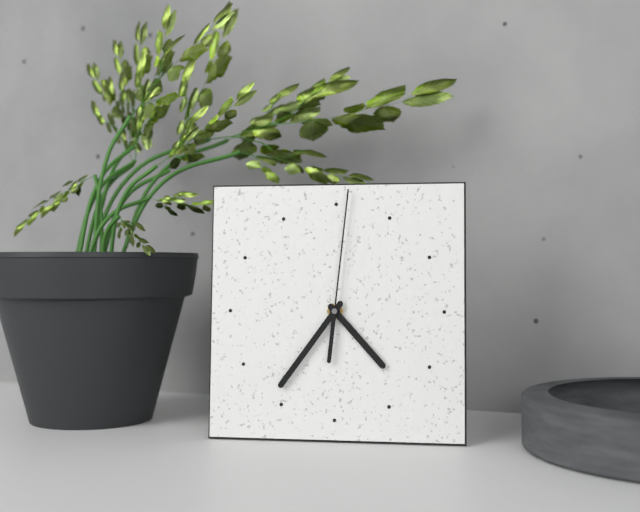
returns 4,36,01
